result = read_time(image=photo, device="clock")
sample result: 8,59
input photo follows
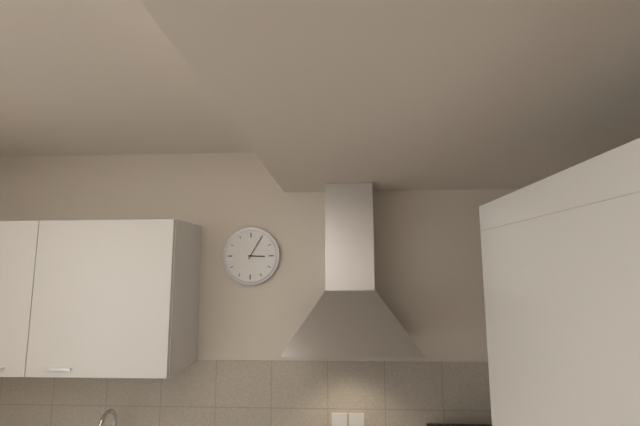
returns 3,05
